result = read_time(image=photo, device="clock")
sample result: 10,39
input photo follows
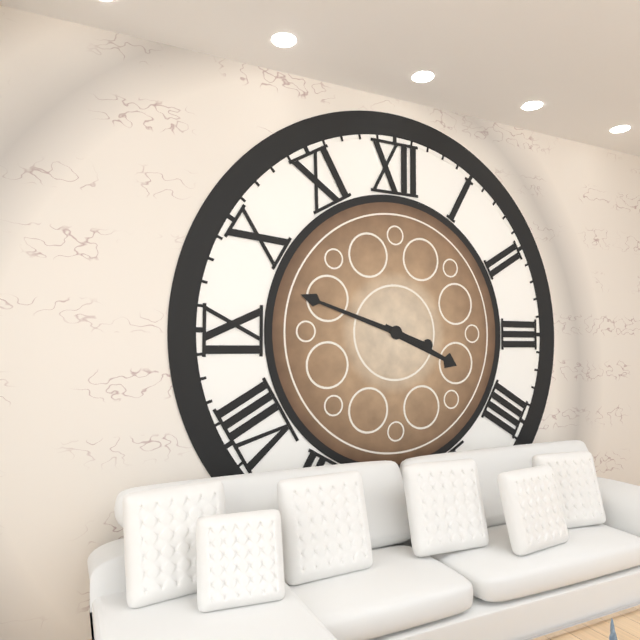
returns 3,48
